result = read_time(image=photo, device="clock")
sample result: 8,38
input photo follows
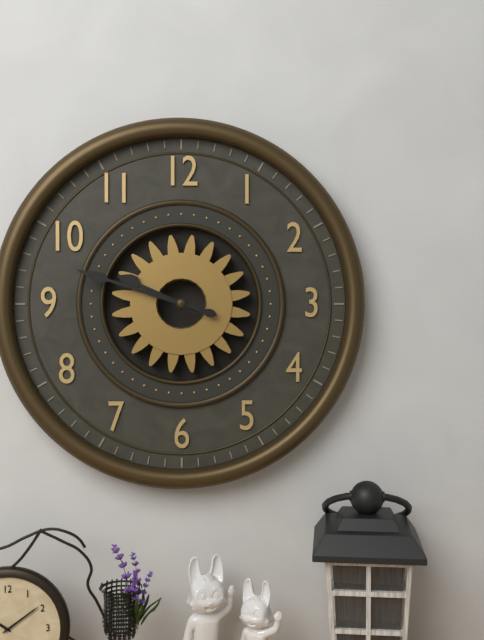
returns 9,48
